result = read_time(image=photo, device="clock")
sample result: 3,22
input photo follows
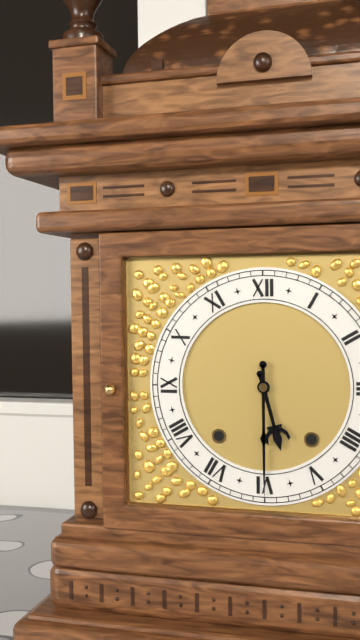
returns 5,30
